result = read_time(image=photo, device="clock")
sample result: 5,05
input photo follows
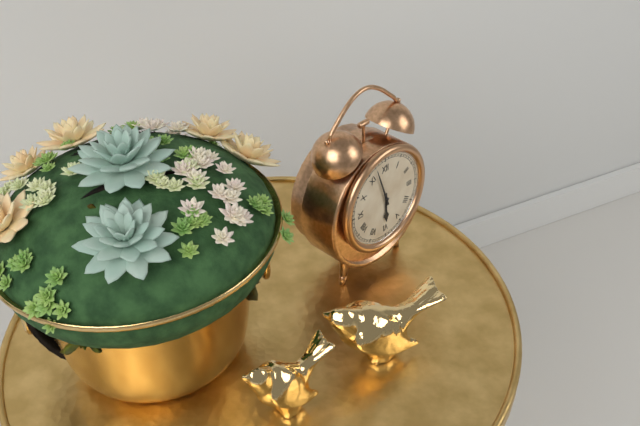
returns 5,57
